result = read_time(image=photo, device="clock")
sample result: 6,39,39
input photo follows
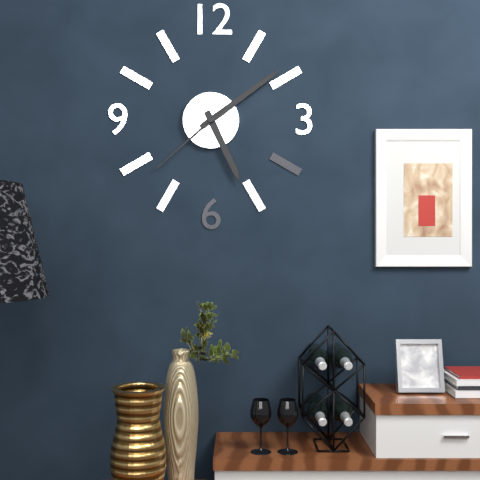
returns 5,09,38
